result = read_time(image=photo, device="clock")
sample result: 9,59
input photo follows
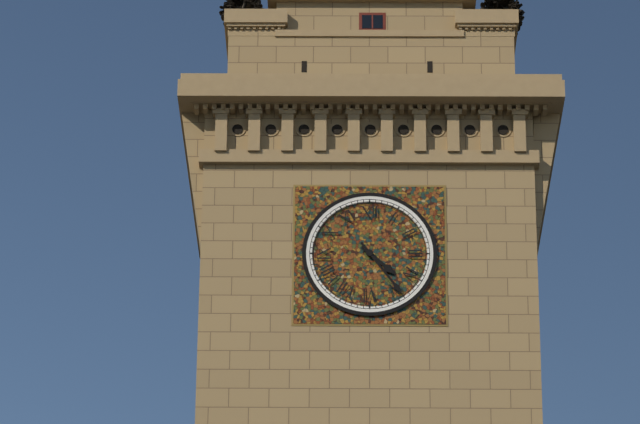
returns 4,24
